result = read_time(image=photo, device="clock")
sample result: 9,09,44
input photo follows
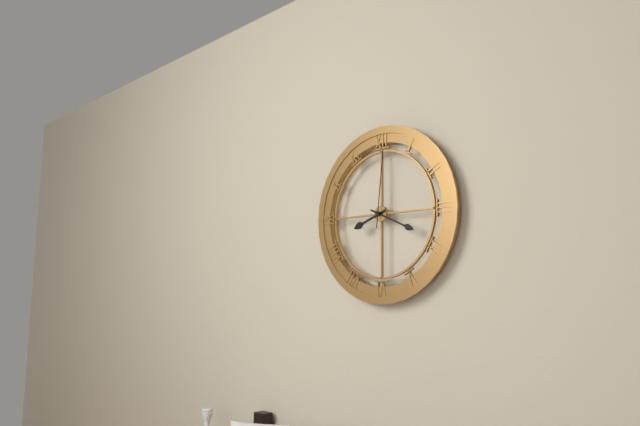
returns 8,19,01
